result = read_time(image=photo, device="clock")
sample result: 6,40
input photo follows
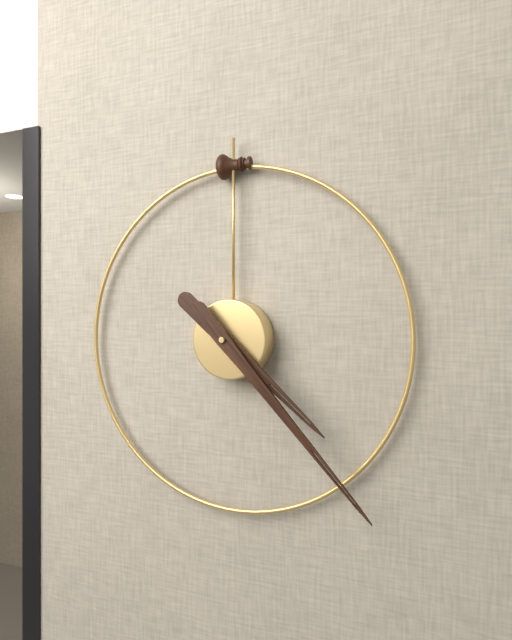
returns 4,23
